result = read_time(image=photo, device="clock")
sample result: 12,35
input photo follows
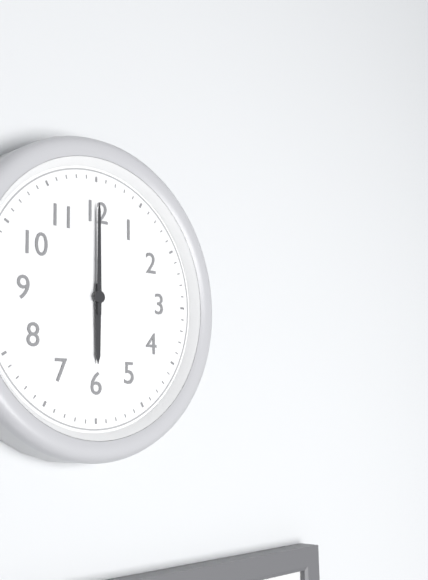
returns 6,00
